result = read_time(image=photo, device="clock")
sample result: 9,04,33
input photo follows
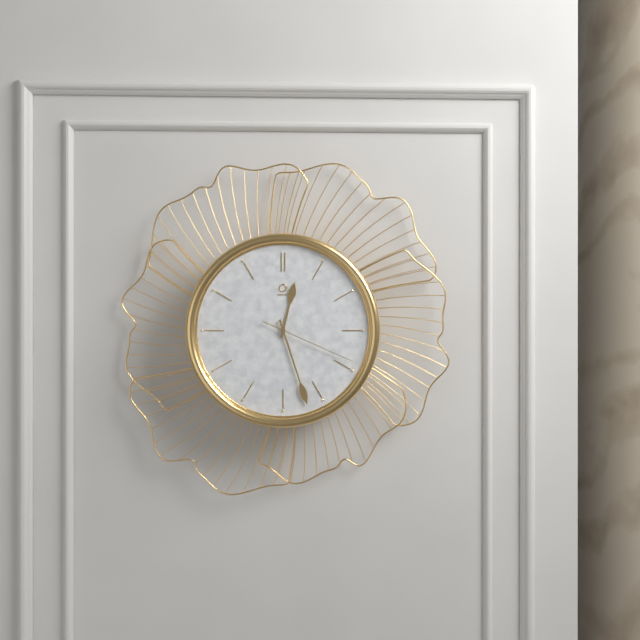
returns 12,27,19
